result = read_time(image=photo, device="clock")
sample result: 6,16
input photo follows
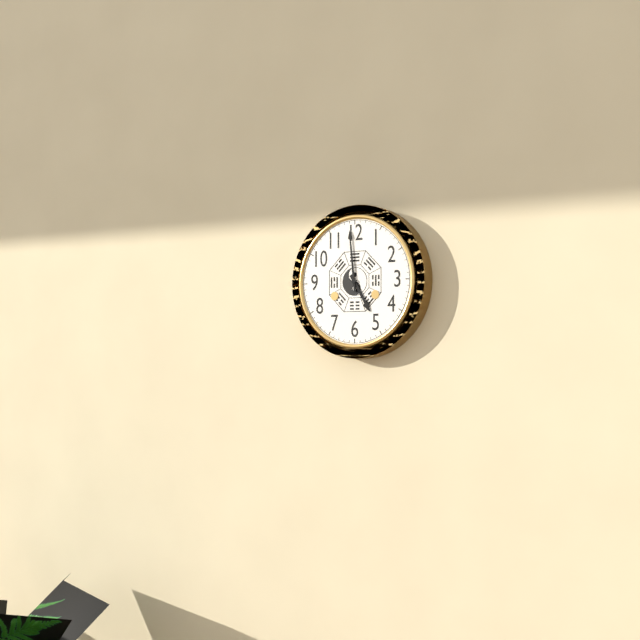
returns 4,59
